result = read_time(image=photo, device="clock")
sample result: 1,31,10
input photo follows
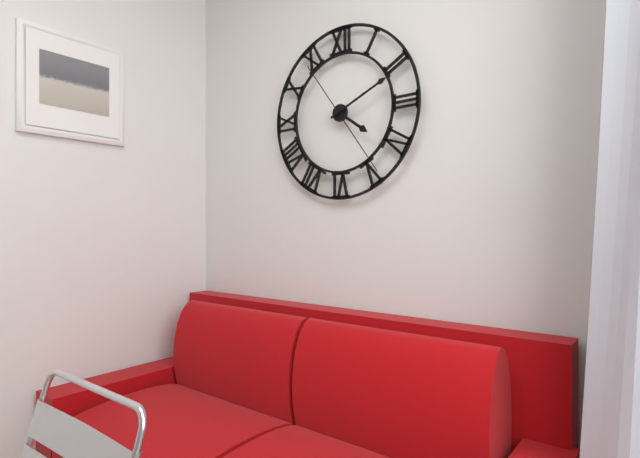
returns 4,11,24
